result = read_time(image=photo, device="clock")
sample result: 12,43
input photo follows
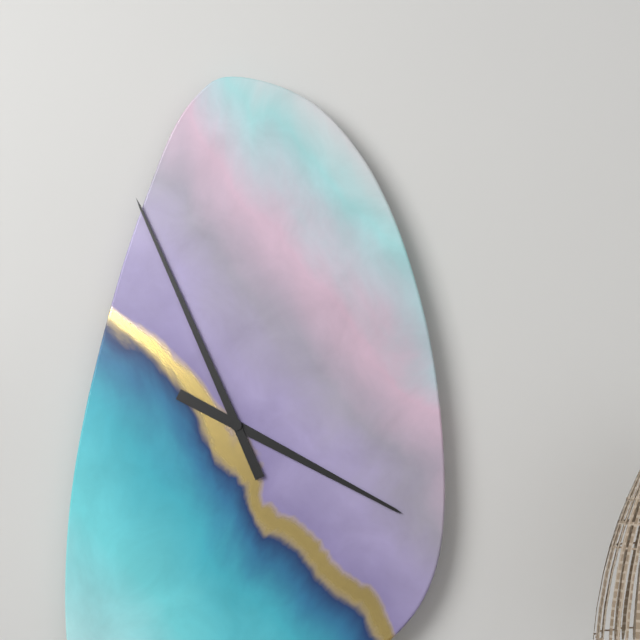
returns 3,56
